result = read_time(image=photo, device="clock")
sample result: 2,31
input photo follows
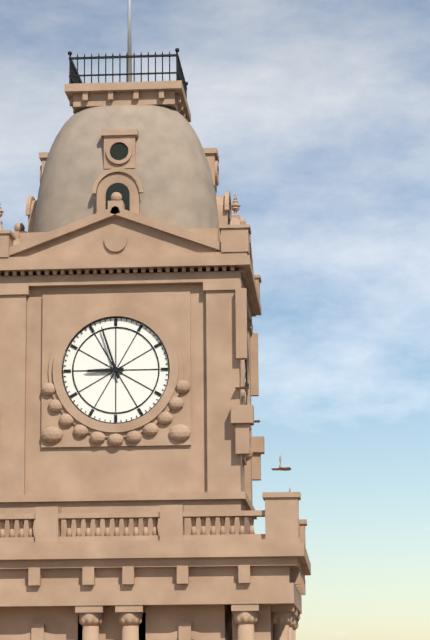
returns 8,57
